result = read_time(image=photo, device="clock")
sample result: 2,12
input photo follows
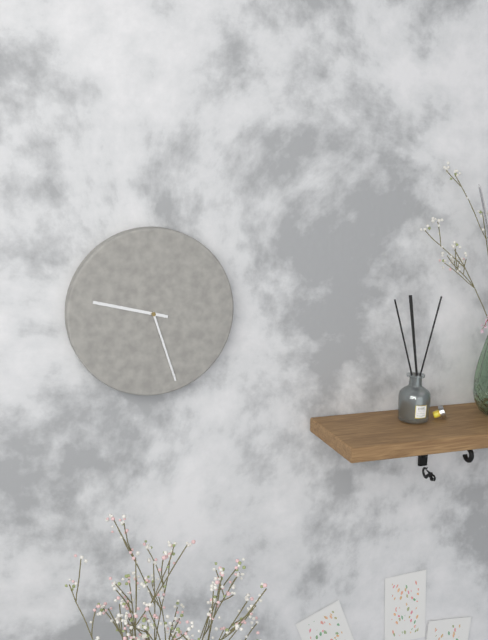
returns 9,27
